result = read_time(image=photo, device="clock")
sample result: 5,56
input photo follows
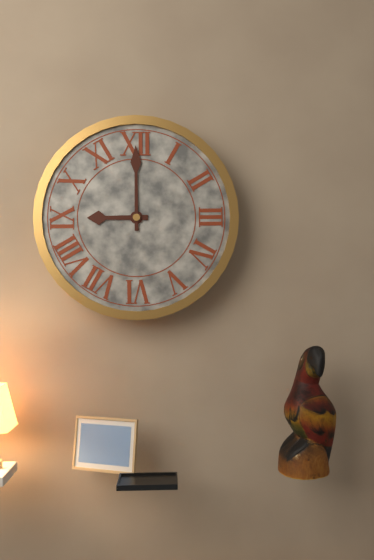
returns 9,00
